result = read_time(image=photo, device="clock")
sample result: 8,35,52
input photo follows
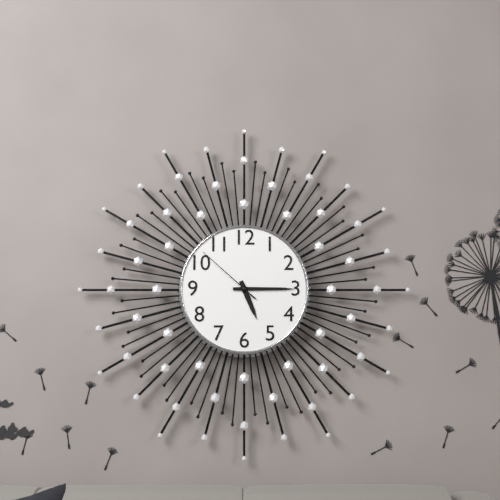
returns 5,15,52
